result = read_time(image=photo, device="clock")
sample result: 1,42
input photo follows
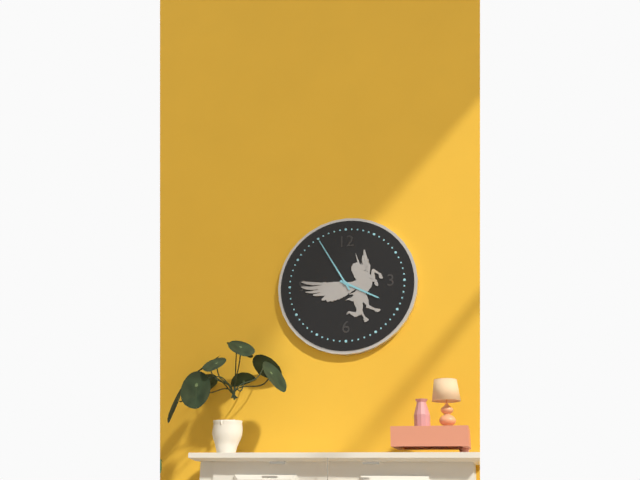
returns 3,55
